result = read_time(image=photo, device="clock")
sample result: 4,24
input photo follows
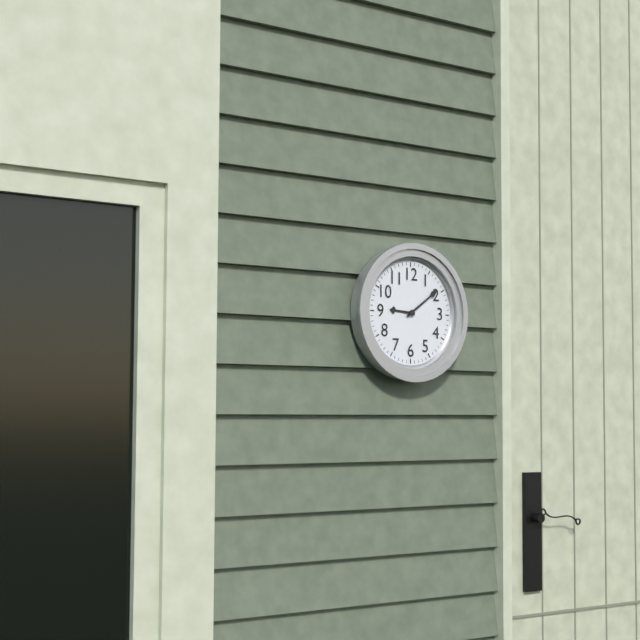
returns 9,09
